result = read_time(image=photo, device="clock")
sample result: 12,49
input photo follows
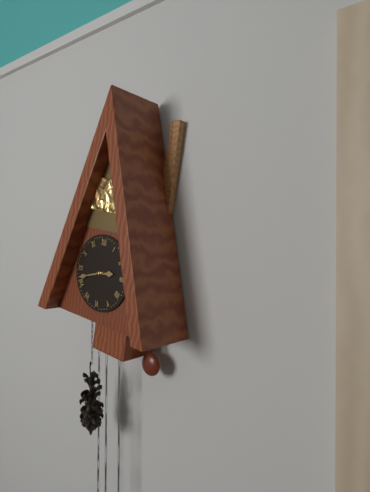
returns 2,42
